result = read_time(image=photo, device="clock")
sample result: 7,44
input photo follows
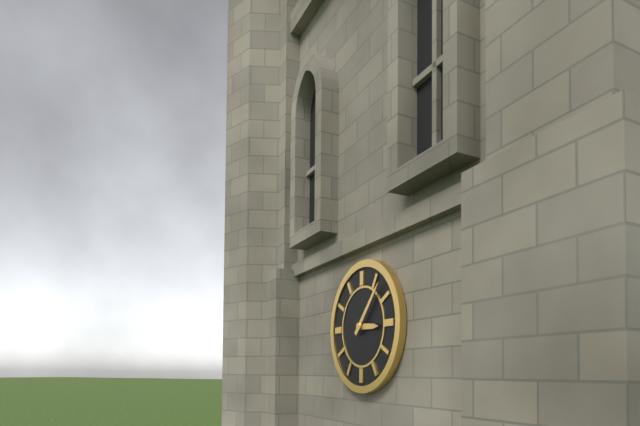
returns 3,07
